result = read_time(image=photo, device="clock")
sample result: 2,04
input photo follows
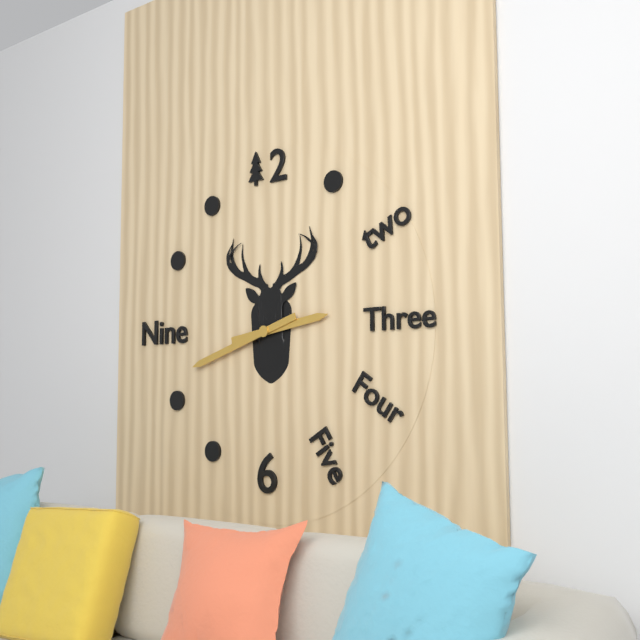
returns 2,42
